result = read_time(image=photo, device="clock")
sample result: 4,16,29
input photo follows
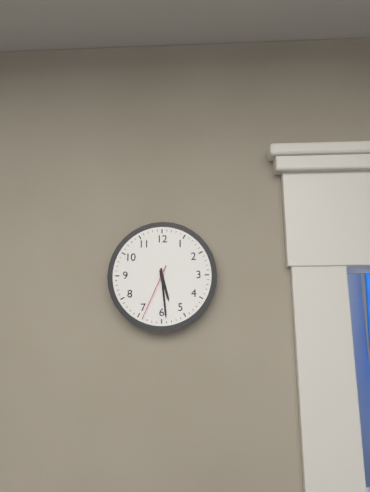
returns 5,29,34
